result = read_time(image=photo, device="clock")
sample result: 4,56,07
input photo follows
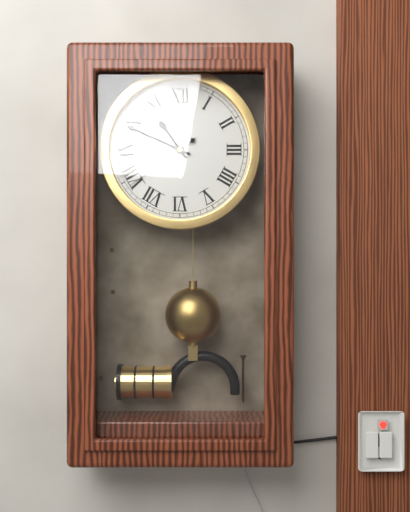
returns 10,49,39
